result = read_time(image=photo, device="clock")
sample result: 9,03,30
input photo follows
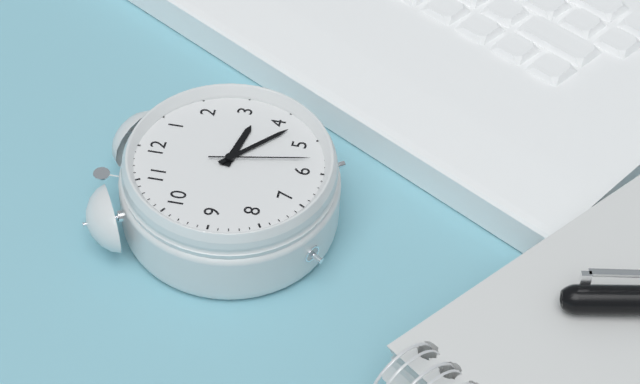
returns 3,22,28
